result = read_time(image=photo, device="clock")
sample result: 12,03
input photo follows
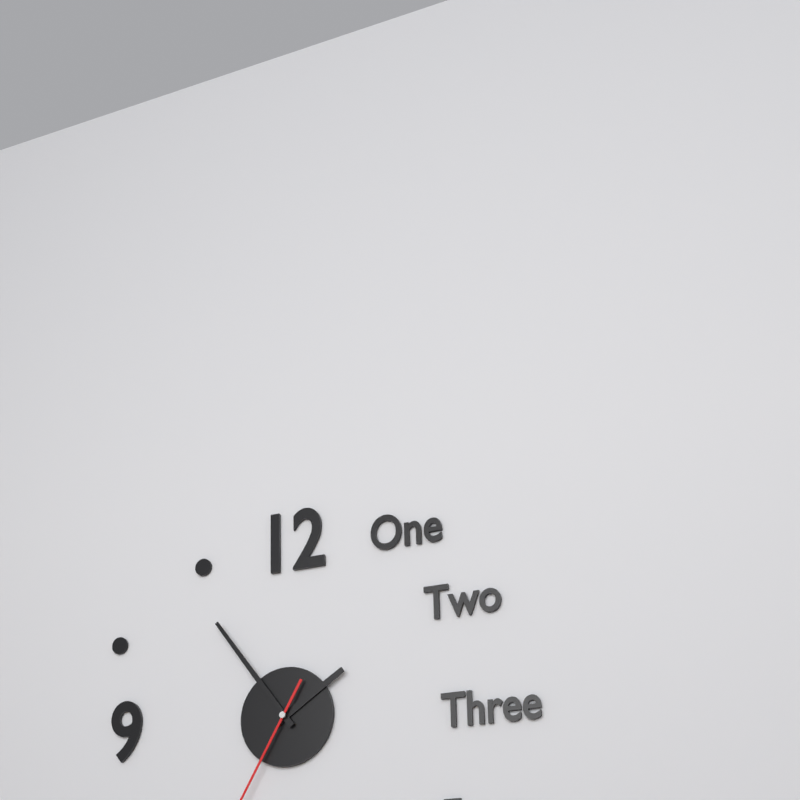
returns 1,54
